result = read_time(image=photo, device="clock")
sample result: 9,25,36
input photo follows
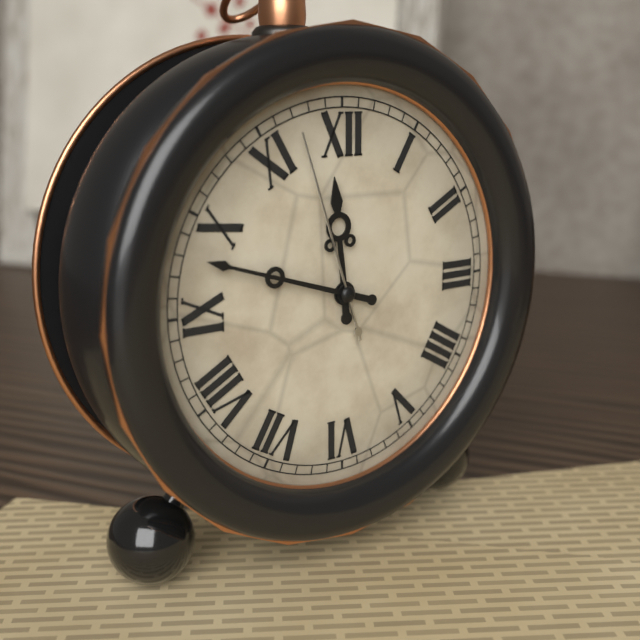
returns 11,48,57
